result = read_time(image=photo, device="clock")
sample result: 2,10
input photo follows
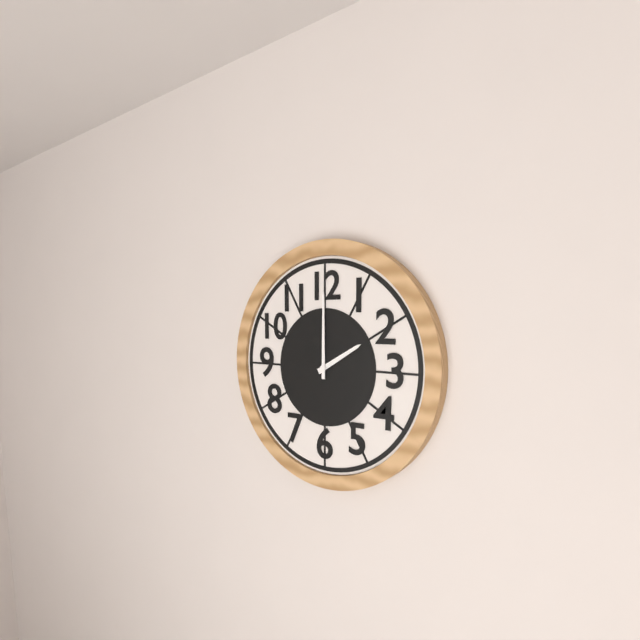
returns 2,00
